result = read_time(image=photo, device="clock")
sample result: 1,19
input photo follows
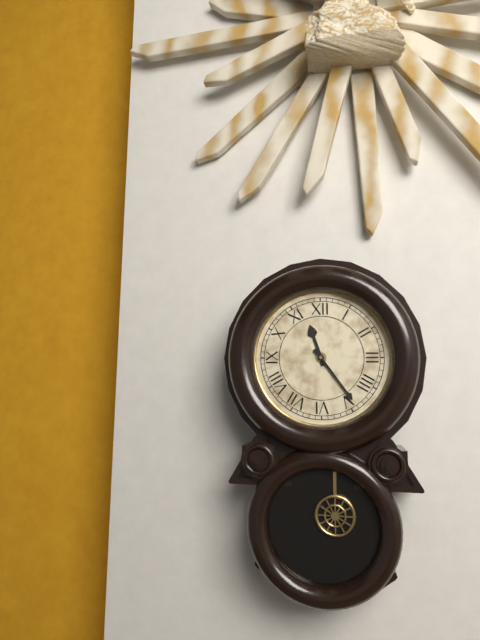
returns 11,24
